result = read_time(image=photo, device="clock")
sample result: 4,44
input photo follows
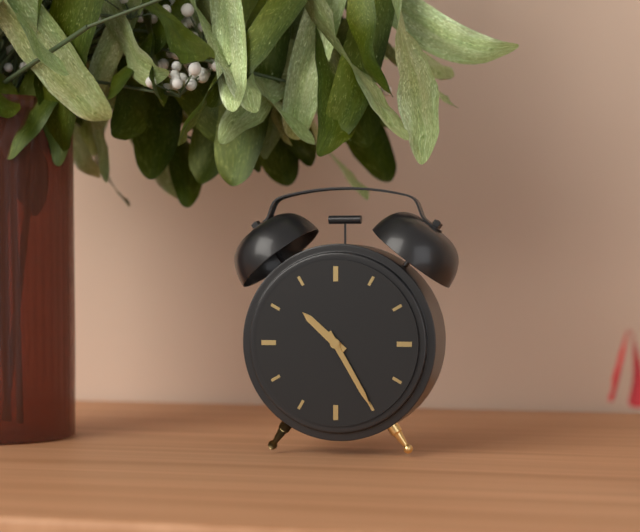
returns 10,25
